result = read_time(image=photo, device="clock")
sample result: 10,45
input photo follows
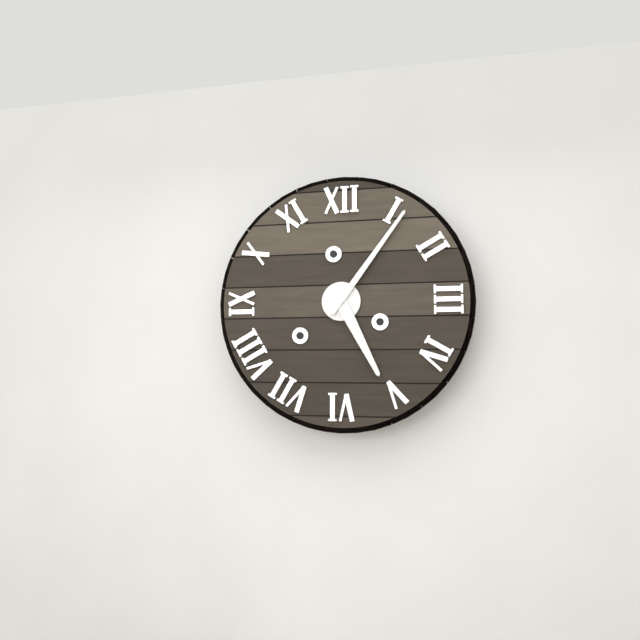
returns 5,06
